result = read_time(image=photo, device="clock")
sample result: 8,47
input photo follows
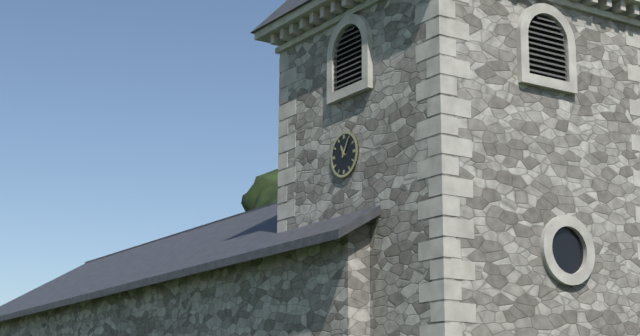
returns 11,05
